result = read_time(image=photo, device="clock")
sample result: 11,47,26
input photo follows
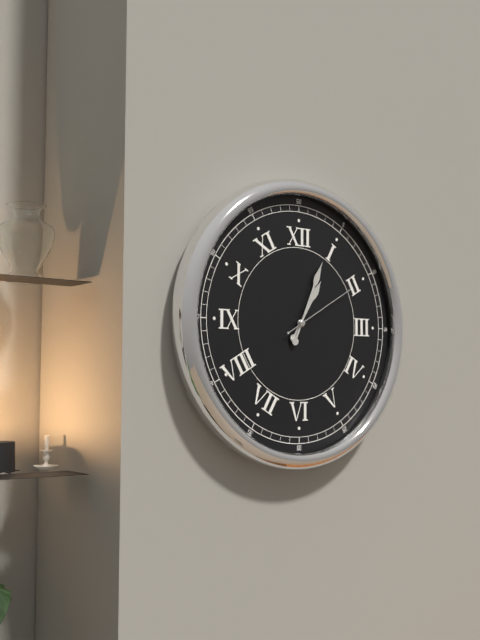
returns 1,04,10
